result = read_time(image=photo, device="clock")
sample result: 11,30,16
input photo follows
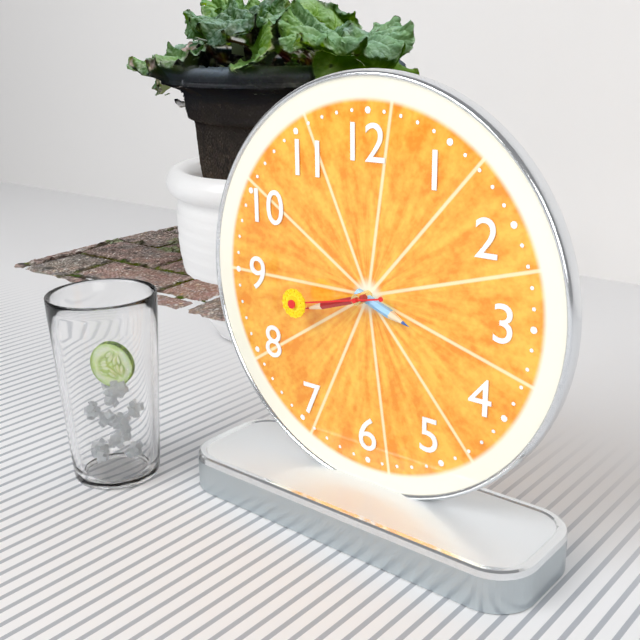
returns 3,42,43
